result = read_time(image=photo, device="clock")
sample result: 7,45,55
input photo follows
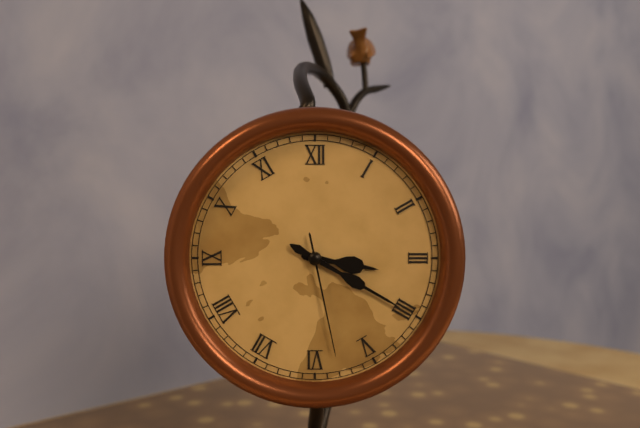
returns 3,20,28
